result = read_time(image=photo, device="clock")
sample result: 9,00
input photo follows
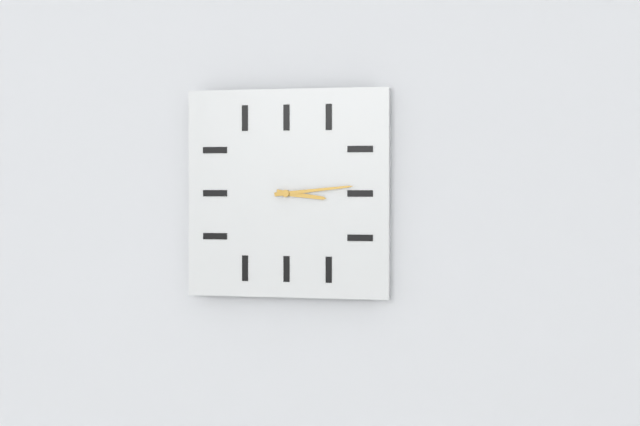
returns 3,14
